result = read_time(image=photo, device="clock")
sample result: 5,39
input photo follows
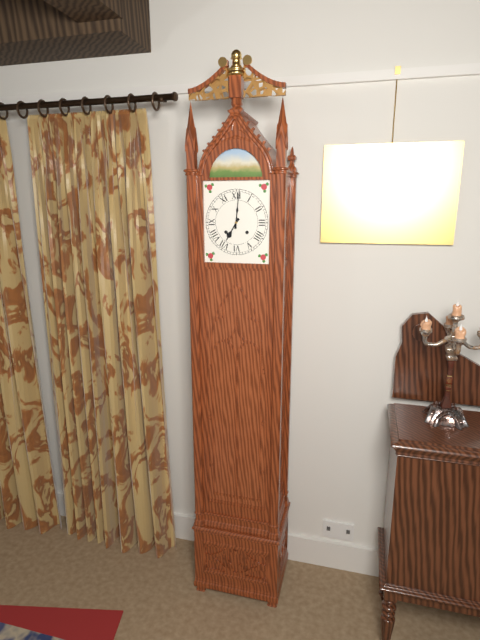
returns 7,01
